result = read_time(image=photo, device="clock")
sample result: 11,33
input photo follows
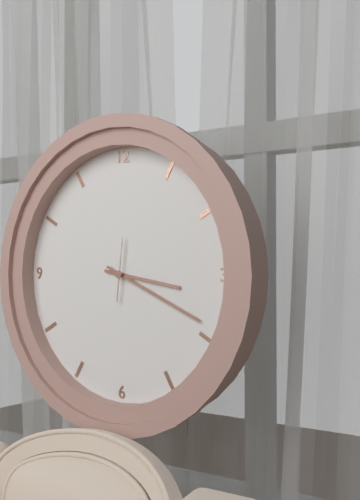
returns 3,19
